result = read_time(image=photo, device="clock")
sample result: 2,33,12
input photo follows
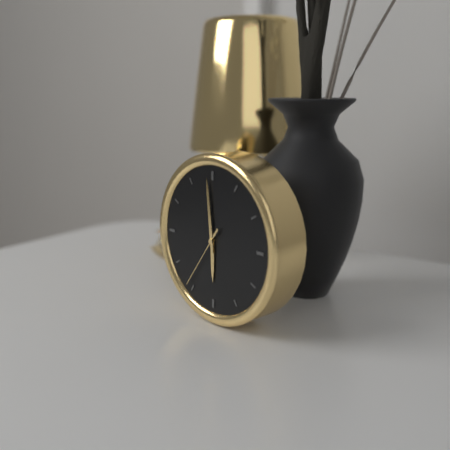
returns 5,59,36
